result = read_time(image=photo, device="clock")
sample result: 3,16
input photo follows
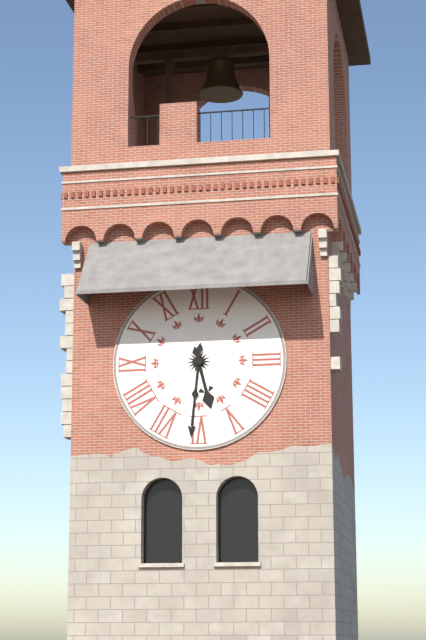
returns 5,31
